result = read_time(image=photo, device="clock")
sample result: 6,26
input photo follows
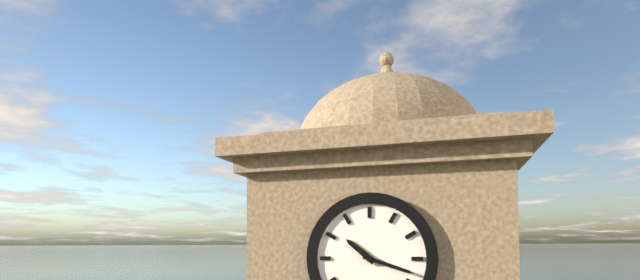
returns 10,18
